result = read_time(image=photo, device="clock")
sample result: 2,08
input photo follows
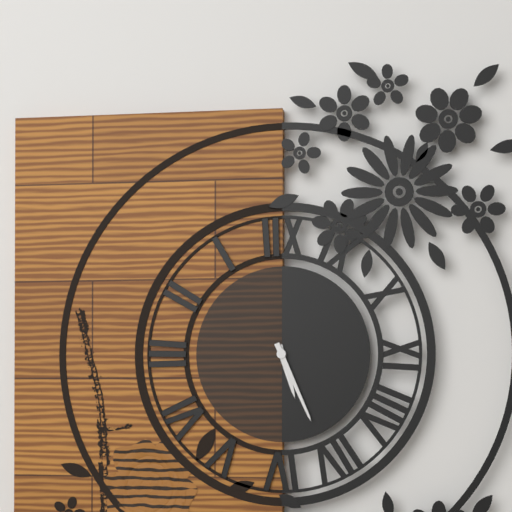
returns 5,26
